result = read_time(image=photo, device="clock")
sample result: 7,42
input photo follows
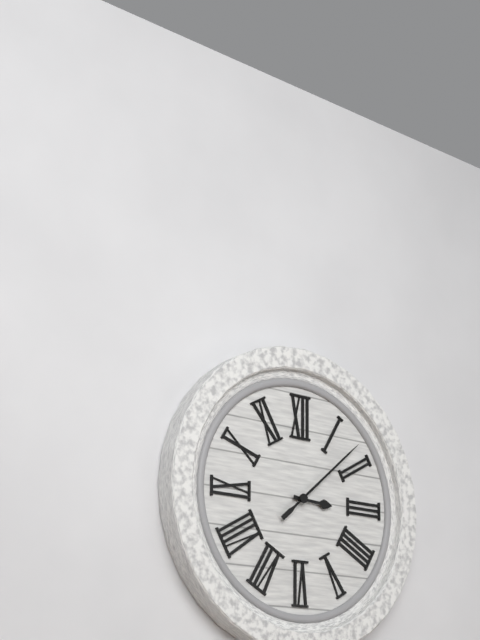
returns 3,08
